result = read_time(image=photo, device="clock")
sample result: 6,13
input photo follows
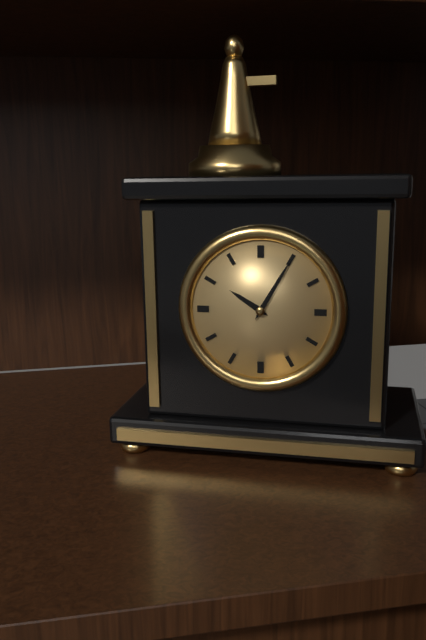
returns 10,05
